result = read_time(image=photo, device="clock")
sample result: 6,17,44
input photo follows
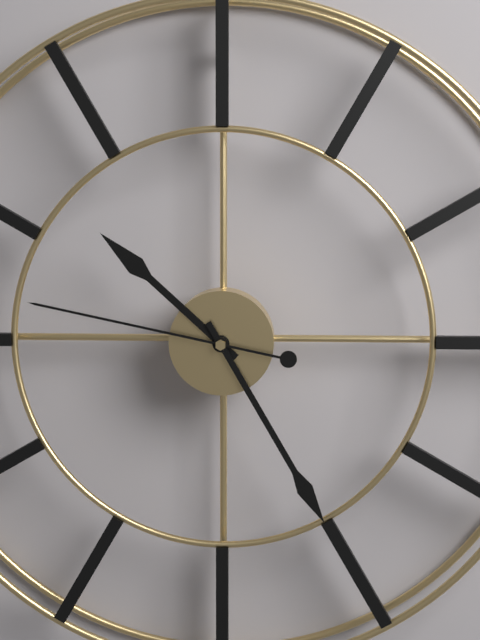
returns 10,25,47
